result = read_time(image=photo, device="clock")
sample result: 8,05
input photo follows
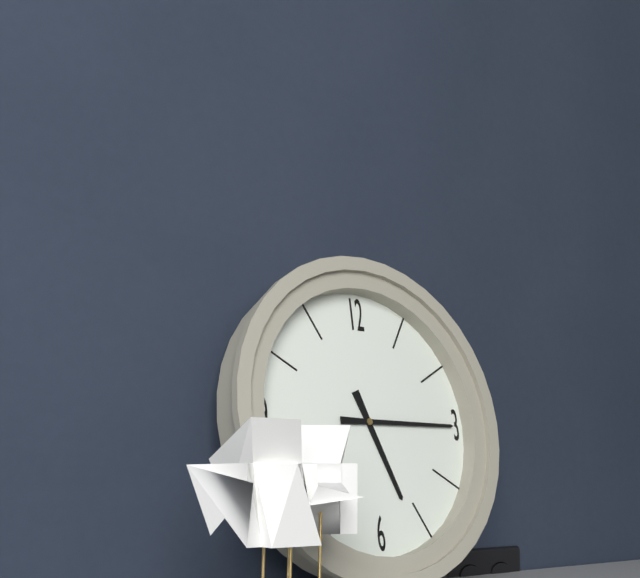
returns 5,15
